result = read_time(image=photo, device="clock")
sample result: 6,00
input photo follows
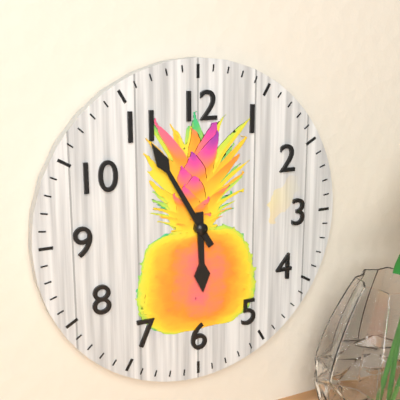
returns 5,55
